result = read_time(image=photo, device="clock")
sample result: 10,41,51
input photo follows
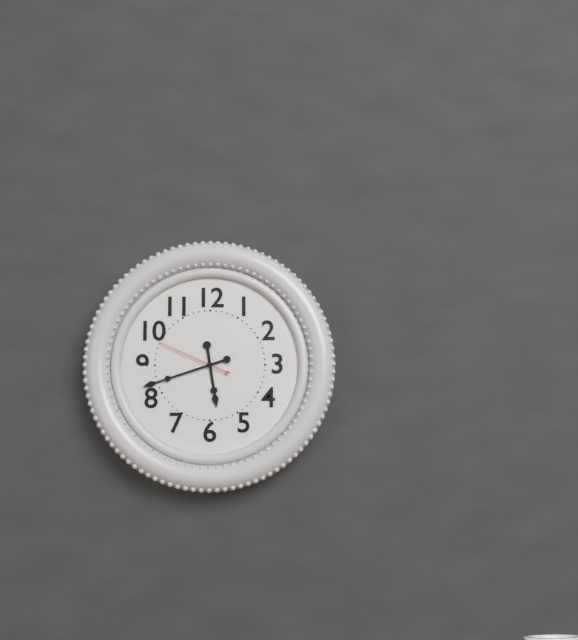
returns 5,42,49
